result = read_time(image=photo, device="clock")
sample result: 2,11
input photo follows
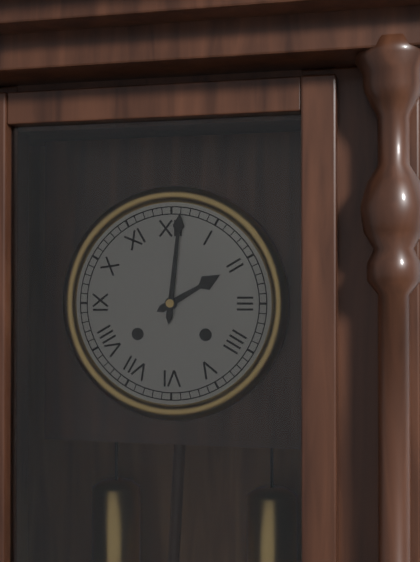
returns 2,01
